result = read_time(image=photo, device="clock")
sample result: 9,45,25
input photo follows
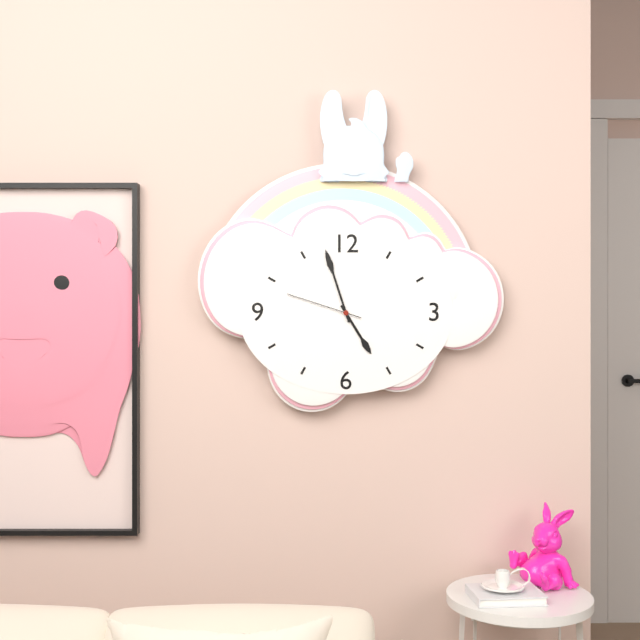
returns 4,57,48
